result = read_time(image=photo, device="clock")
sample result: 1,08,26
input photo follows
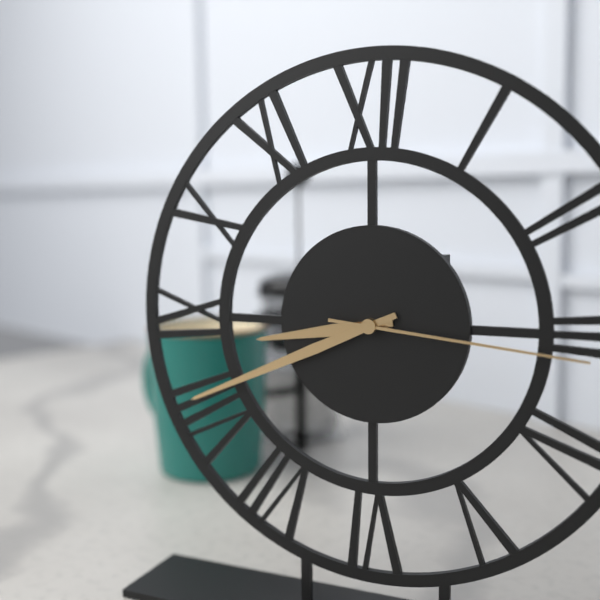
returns 8,41,16
